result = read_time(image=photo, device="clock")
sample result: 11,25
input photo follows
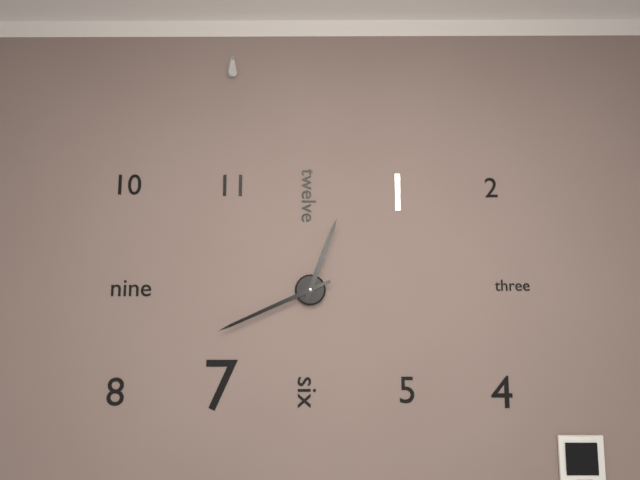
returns 12,41
